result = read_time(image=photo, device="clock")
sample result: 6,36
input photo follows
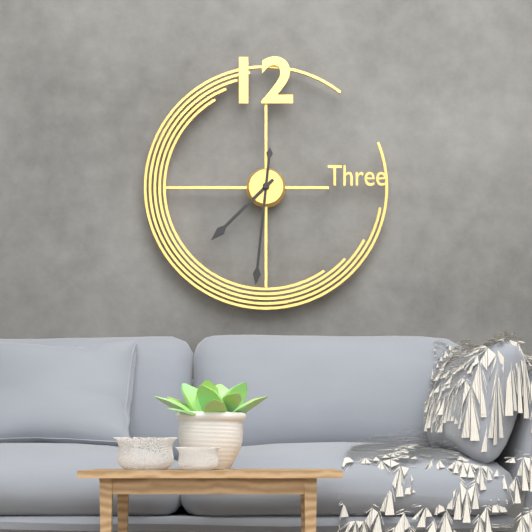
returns 7,31
